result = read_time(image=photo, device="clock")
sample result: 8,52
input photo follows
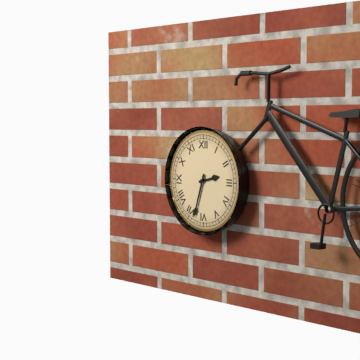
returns 2,33
